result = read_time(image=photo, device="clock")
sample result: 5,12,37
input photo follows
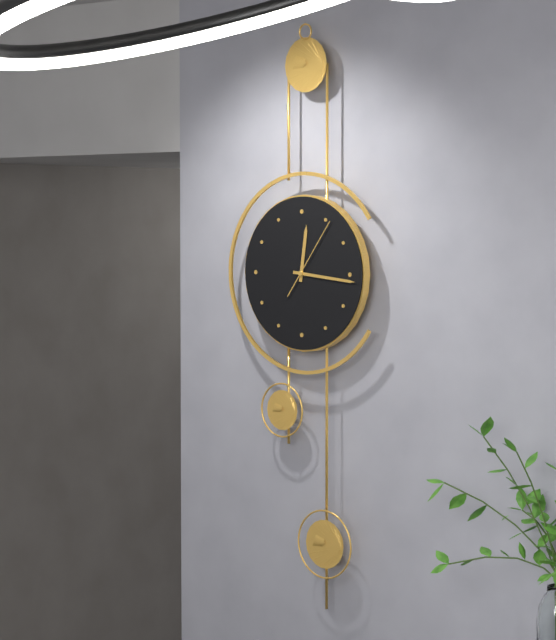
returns 12,16,06
